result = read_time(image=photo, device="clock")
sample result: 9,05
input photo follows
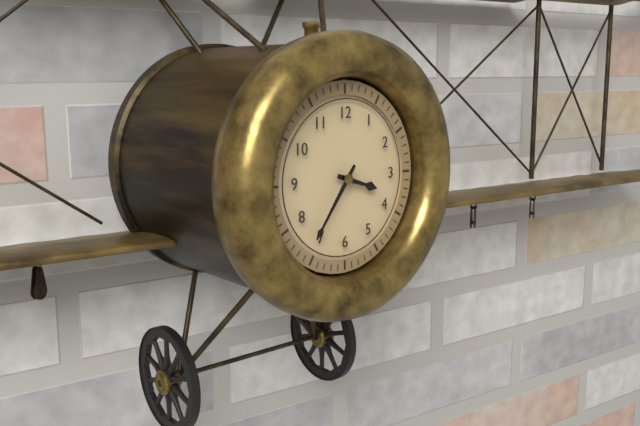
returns 3,36
